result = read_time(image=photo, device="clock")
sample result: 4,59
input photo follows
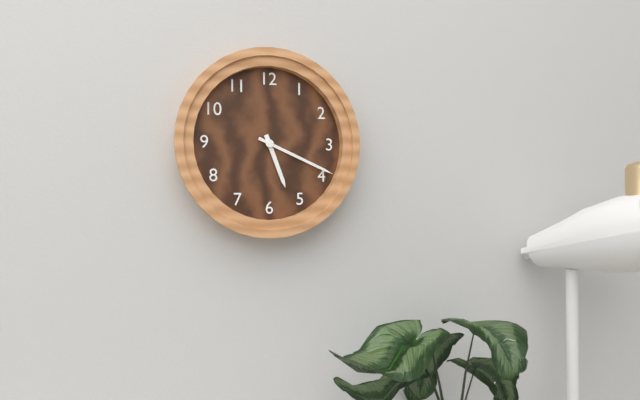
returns 5,19
